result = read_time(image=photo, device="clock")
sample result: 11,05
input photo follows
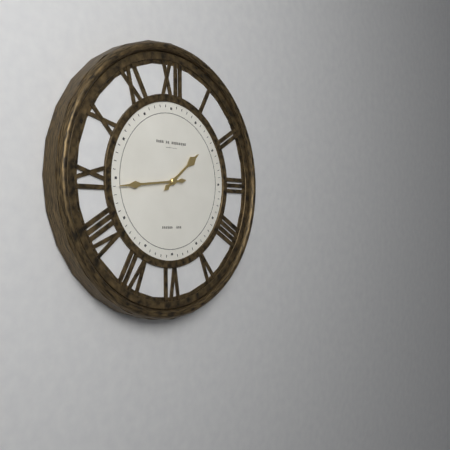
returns 1,44
